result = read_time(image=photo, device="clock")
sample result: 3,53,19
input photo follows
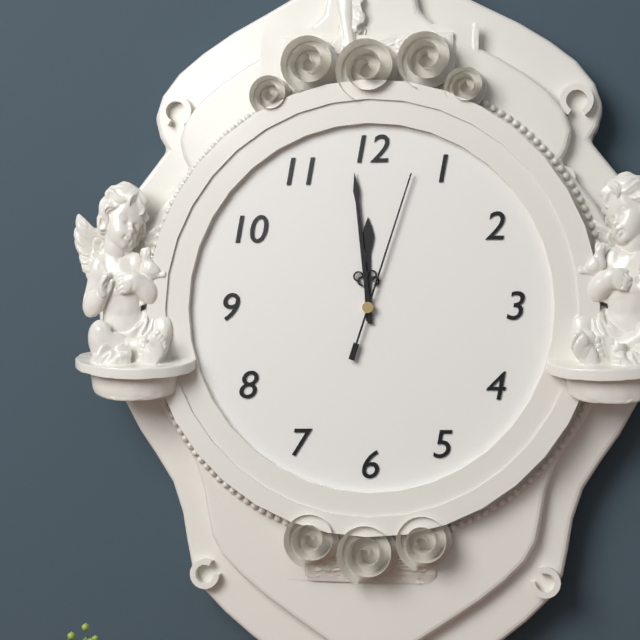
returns 11,59,03
